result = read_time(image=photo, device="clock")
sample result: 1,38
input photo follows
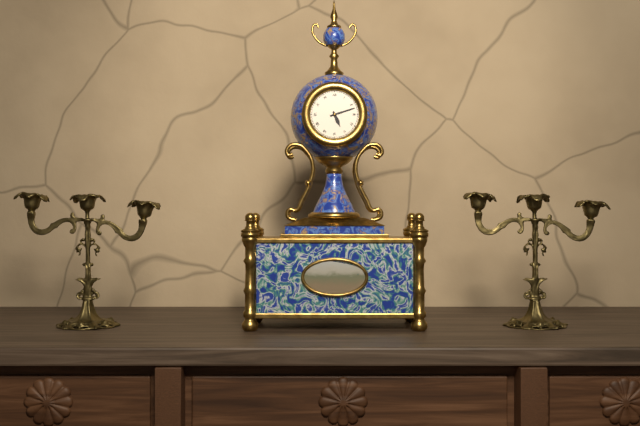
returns 5,12
